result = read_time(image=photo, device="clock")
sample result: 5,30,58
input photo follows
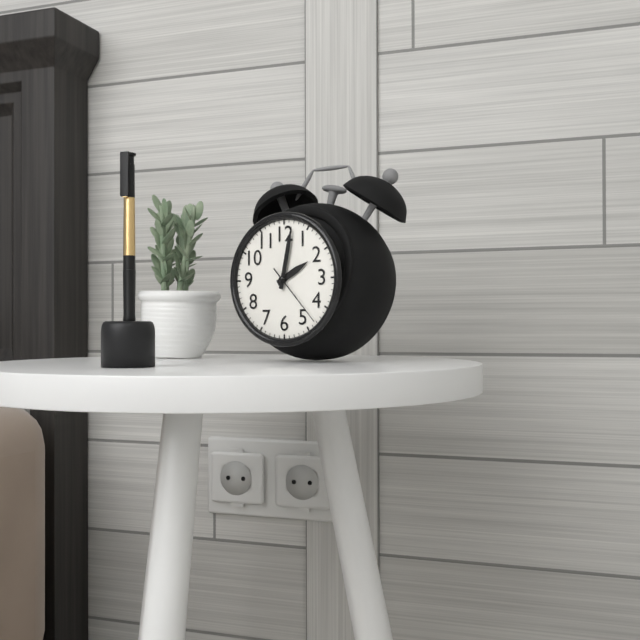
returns 2,02,23
